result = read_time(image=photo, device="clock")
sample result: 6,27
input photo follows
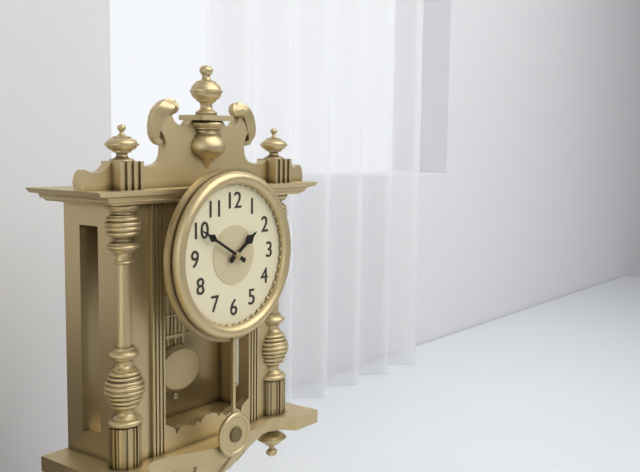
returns 1,50
